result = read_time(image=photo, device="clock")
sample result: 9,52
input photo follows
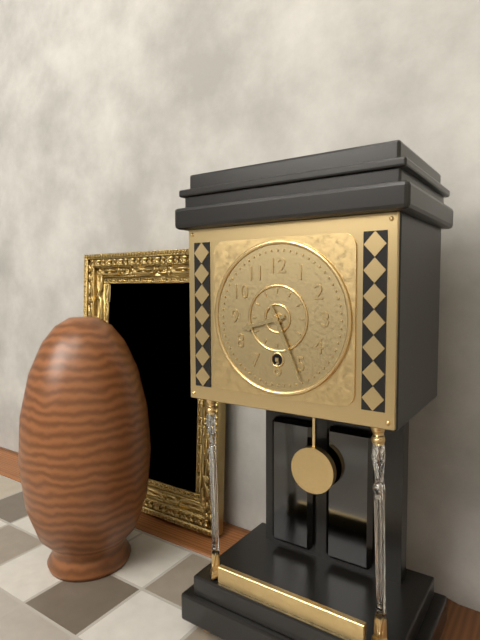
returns 8,26
